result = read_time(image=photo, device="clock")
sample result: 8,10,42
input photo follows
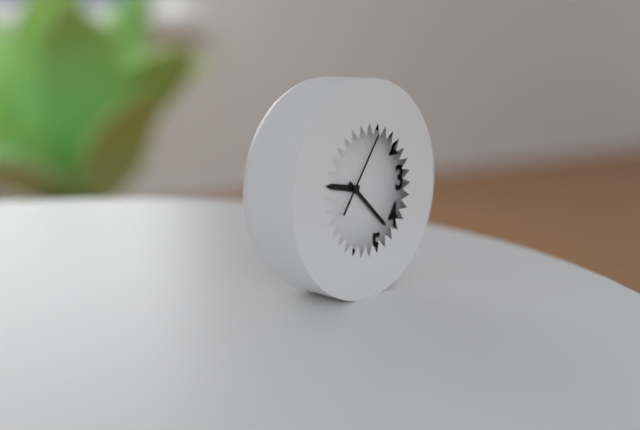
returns 9,22,06
